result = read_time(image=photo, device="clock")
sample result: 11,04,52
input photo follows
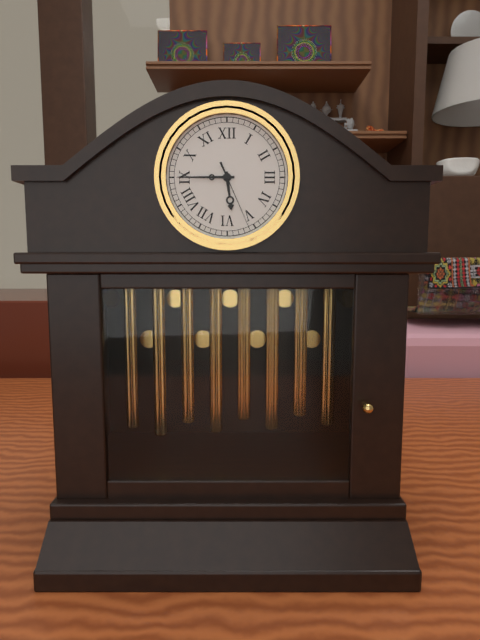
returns 5,45,26
